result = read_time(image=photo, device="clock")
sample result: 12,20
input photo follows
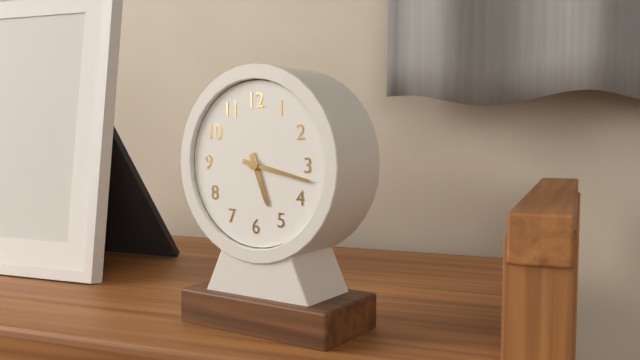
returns 5,17
